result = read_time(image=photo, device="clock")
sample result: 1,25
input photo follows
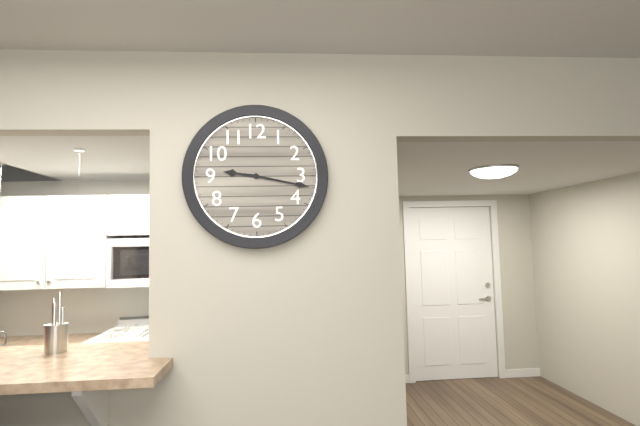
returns 9,17
